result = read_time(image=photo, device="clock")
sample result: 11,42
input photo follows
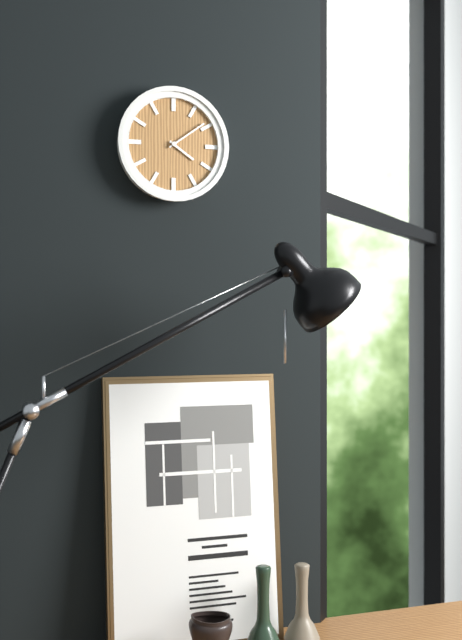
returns 4,09
